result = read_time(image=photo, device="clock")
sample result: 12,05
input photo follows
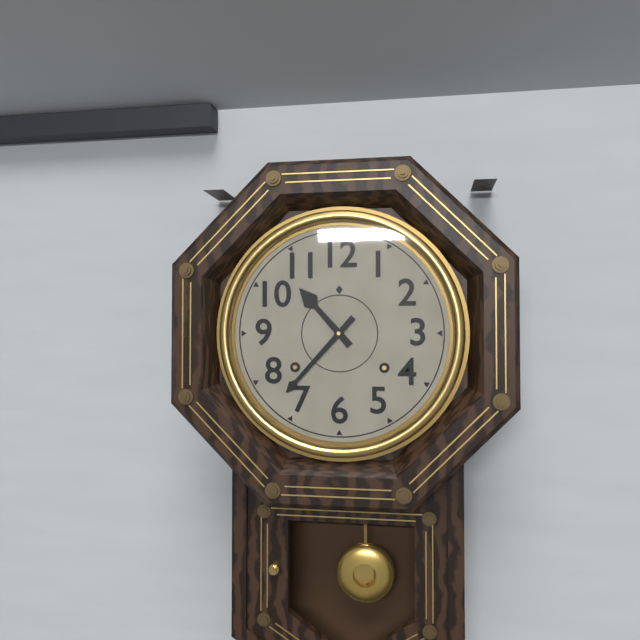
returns 10,37
